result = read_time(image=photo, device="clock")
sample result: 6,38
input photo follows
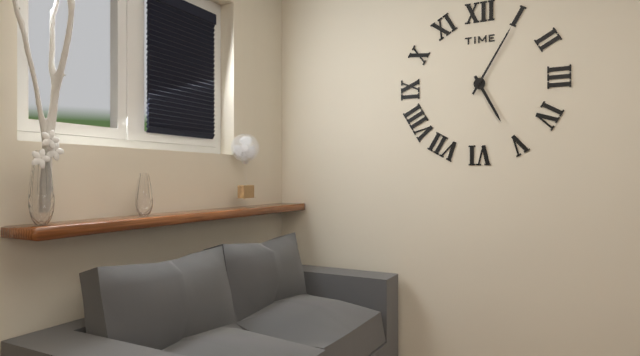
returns 5,05
